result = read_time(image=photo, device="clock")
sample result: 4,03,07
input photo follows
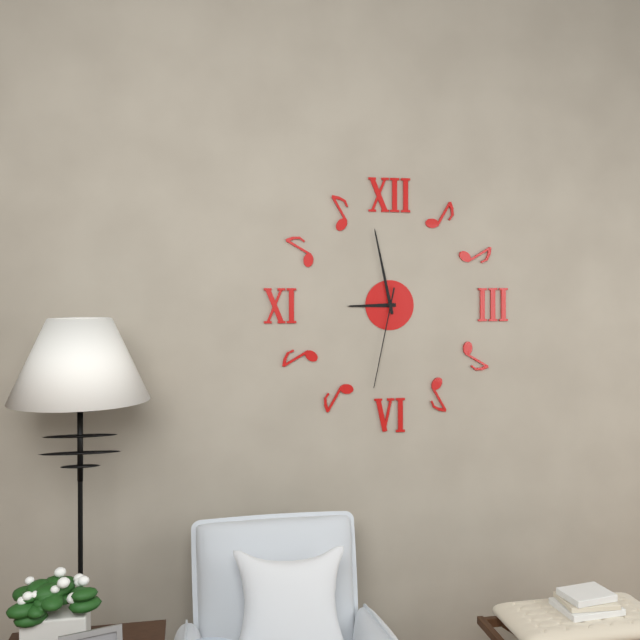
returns 8,58,32
